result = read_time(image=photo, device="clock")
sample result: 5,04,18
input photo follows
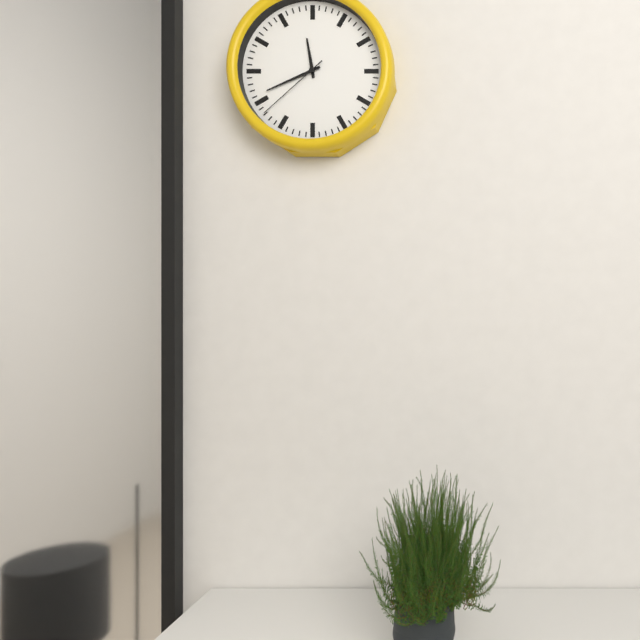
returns 11,41,38
